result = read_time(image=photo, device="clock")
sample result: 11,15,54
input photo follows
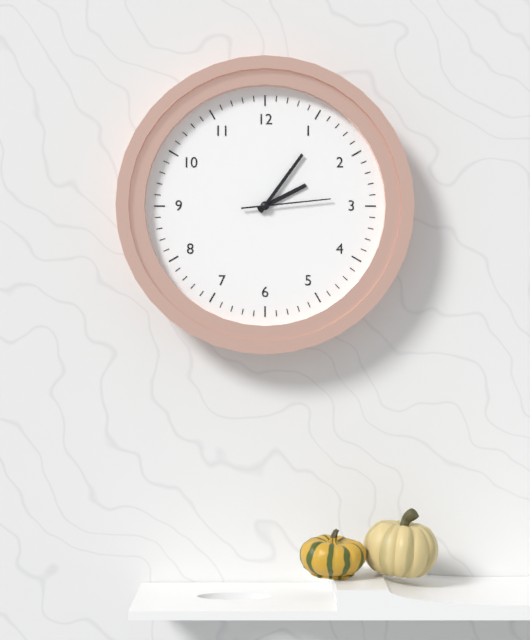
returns 2,06,14
